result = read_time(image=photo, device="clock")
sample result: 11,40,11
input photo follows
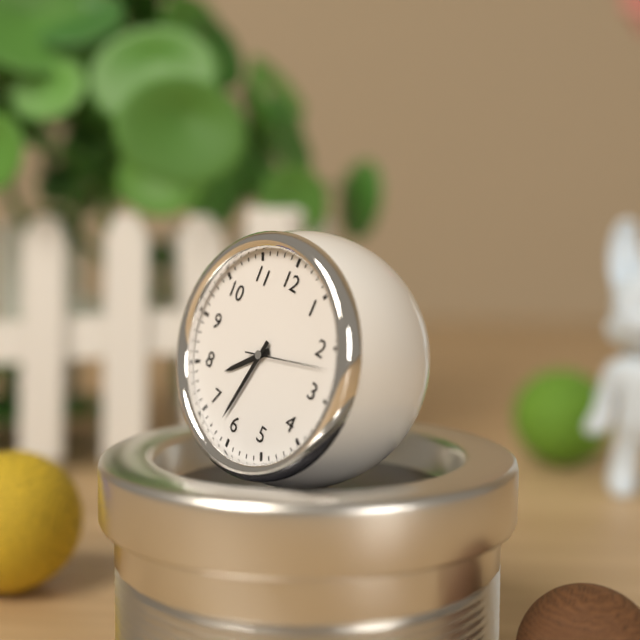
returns 7,32,12
